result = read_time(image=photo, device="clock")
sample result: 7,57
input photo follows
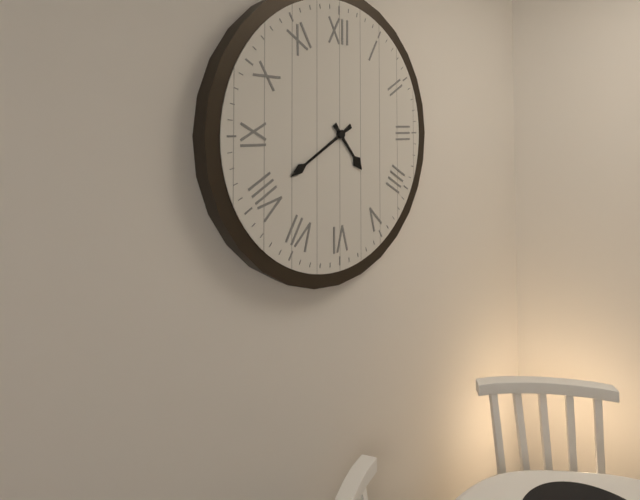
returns 4,40
